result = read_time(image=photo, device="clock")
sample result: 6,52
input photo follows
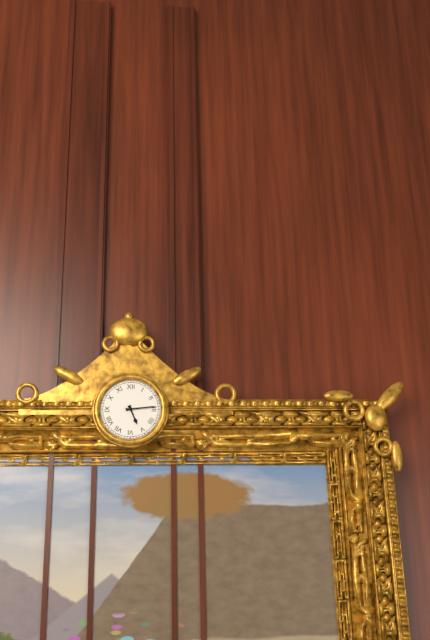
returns 5,14
